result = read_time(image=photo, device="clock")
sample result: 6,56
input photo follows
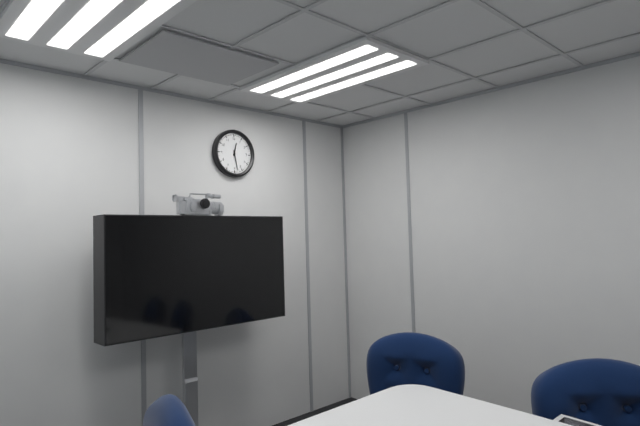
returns 12,28
